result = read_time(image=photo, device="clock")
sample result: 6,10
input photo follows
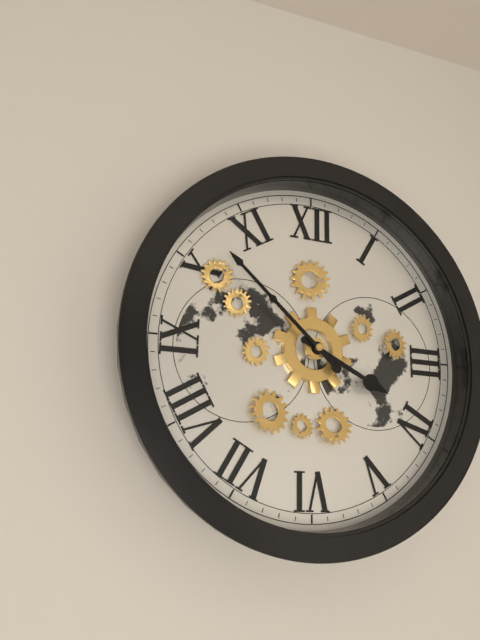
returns 3,52
